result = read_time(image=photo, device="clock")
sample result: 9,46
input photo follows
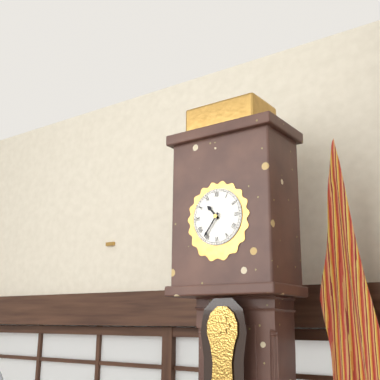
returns 10,36
